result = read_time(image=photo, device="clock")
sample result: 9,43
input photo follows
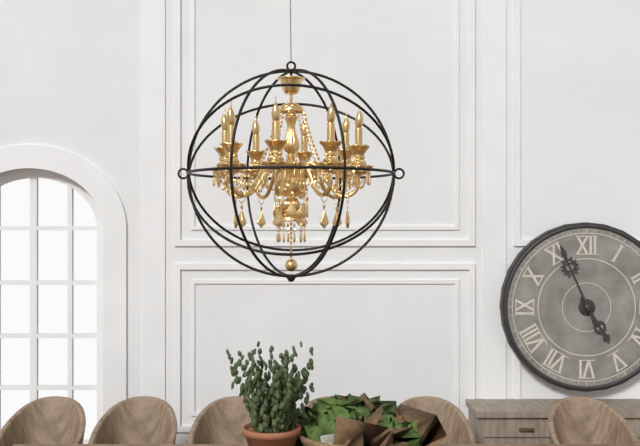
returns 4,56
